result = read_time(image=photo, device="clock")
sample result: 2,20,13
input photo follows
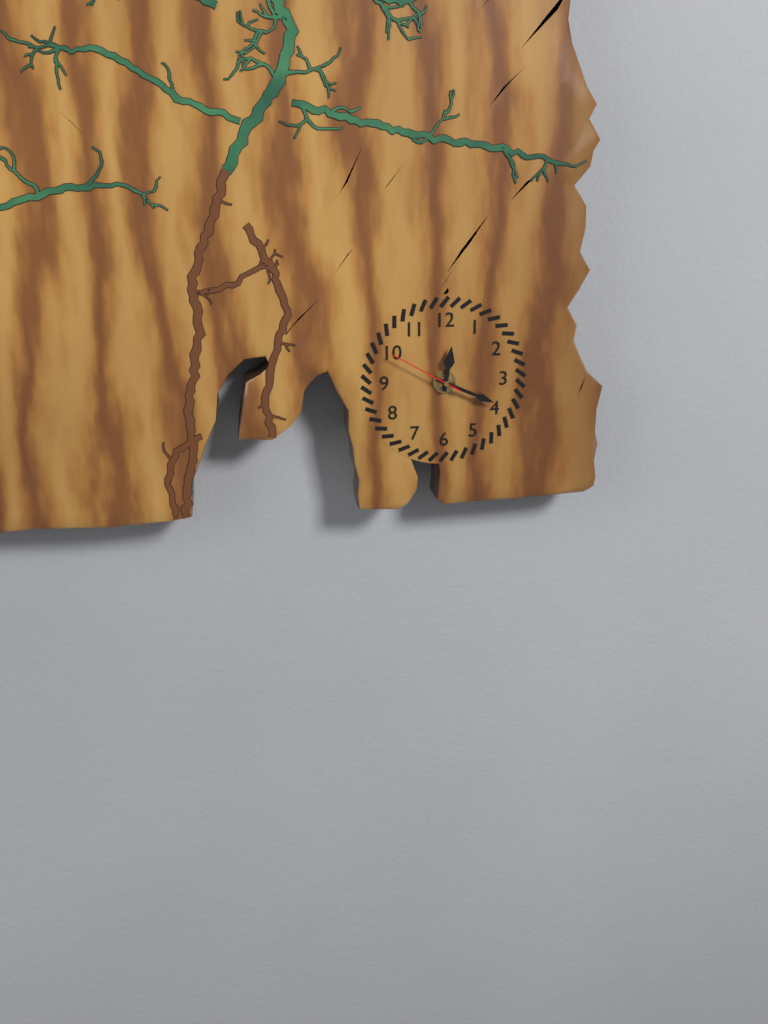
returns 12,19,50
